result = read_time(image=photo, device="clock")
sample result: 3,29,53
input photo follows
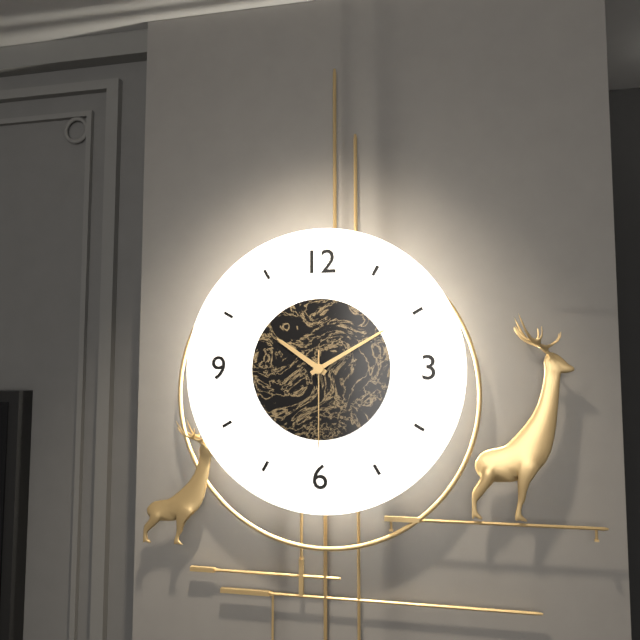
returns 10,10,30
